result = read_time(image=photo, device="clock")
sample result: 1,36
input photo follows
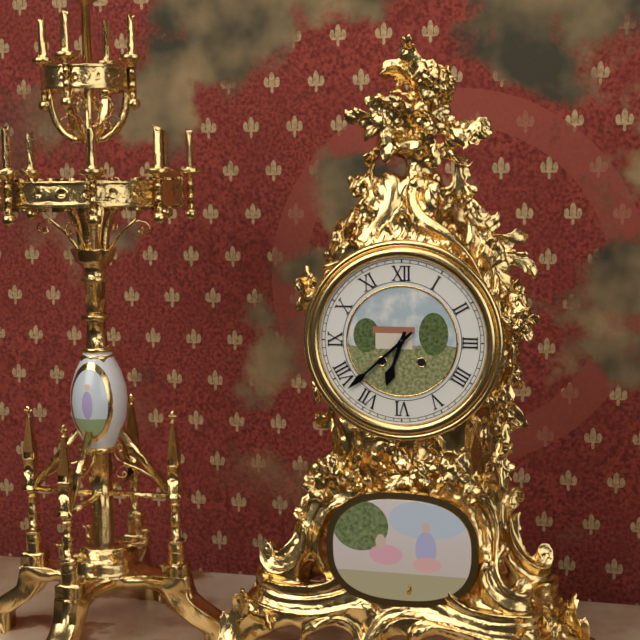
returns 6,38
